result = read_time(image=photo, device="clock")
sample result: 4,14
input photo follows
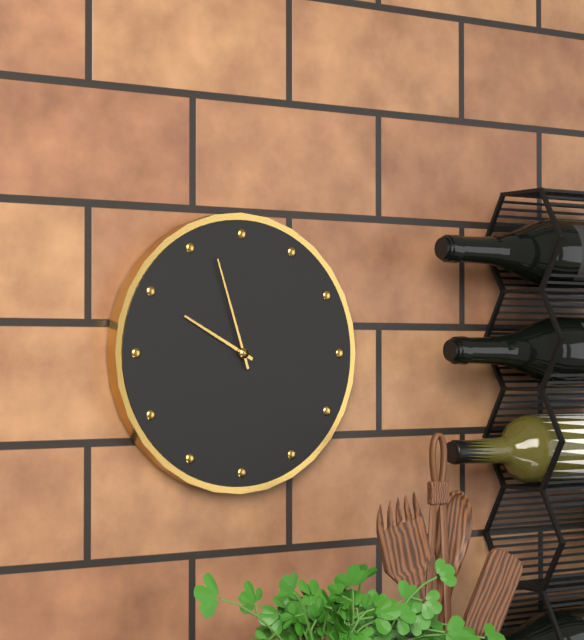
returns 9,57
